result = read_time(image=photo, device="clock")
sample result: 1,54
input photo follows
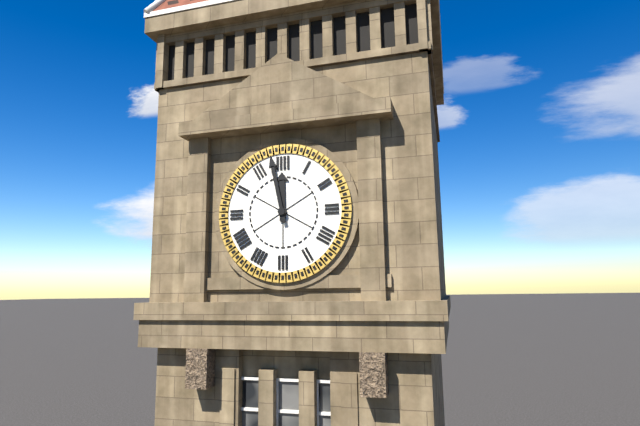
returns 11,58
